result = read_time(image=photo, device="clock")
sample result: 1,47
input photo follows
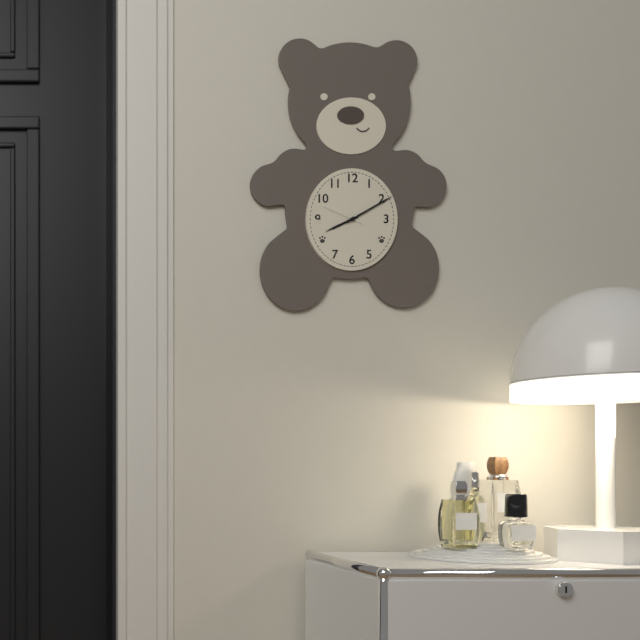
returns 8,10
